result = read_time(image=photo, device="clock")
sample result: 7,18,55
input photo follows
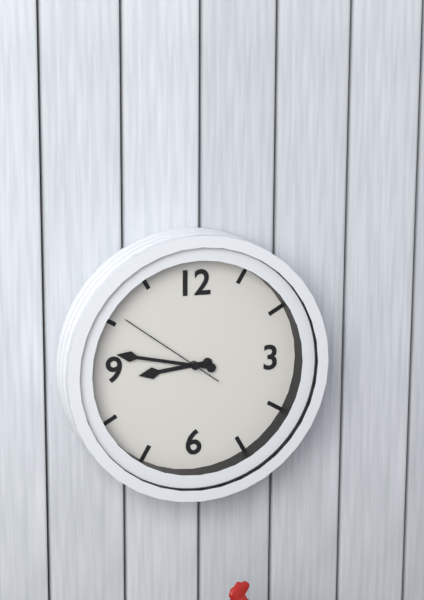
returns 8,47,51
